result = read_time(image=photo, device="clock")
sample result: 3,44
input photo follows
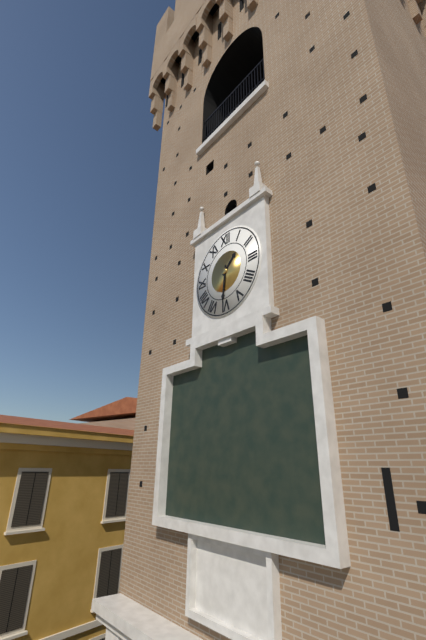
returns 1,31
